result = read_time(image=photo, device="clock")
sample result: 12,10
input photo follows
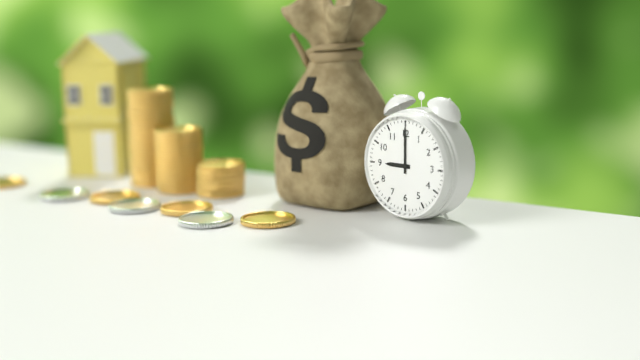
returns 9,00
